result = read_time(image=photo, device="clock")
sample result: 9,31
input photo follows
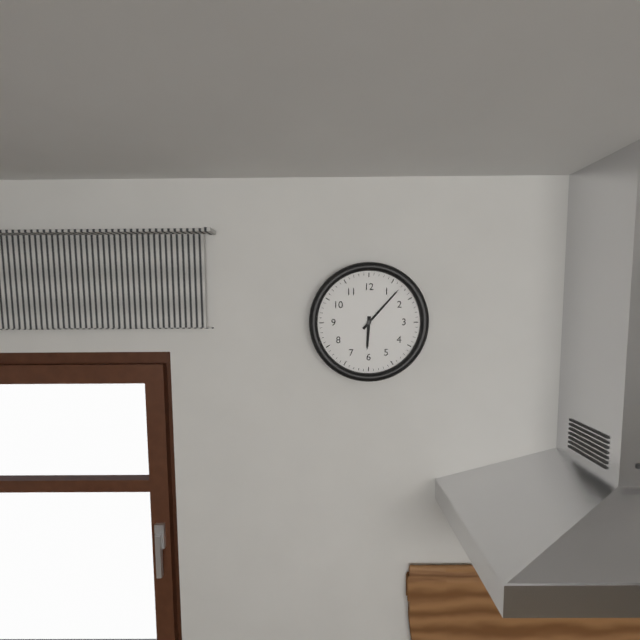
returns 6,07
